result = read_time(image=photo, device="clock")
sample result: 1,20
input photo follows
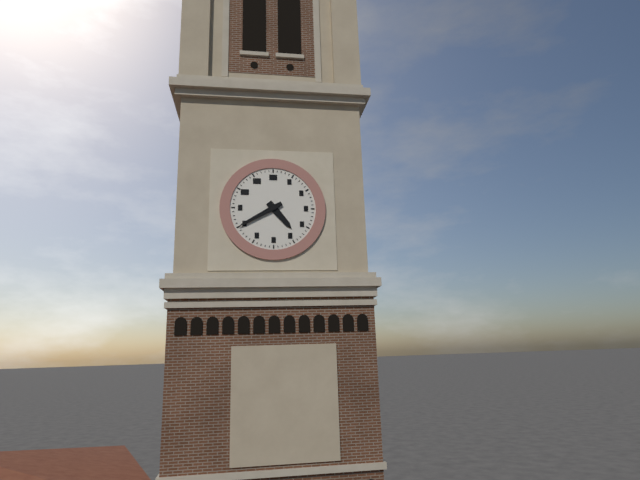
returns 4,40
